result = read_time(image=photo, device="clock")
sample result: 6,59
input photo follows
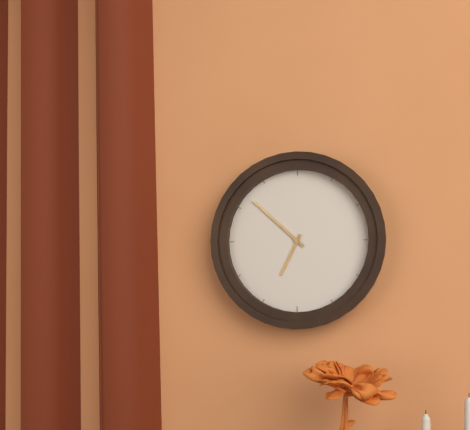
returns 6,52
